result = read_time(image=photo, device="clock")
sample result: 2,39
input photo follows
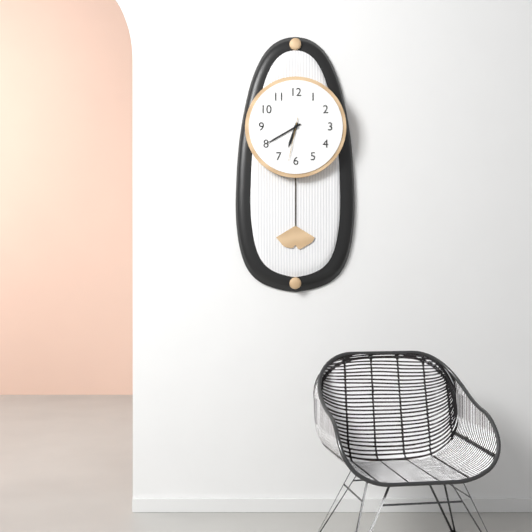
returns 6,40
